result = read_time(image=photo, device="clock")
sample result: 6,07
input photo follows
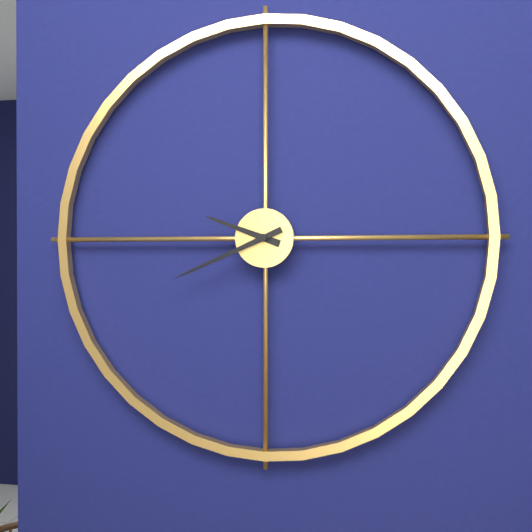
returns 9,41
